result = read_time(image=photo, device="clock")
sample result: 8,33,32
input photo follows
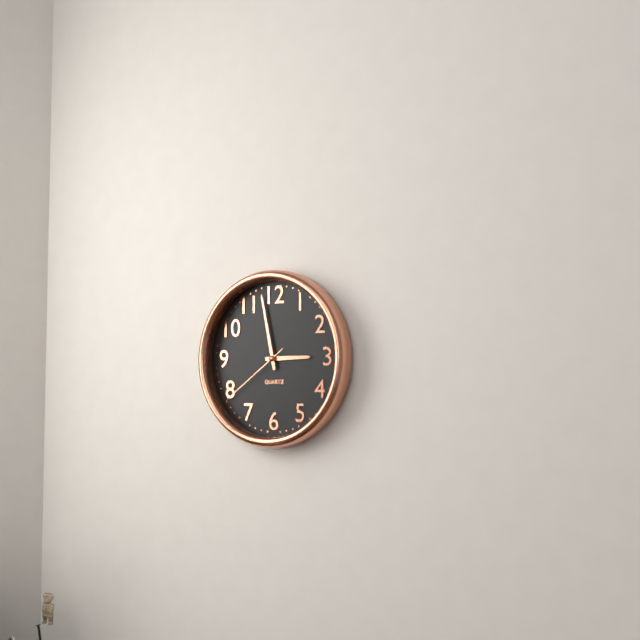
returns 2,58,39
